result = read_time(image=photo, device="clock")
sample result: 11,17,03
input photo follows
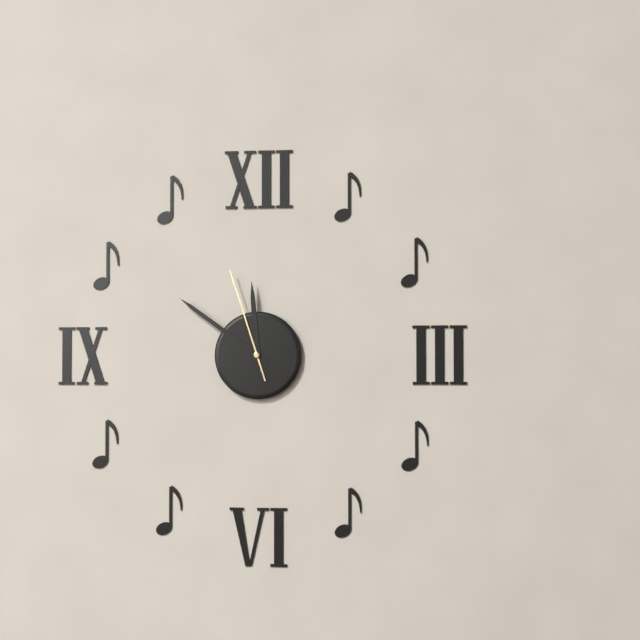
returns 11,51,57
